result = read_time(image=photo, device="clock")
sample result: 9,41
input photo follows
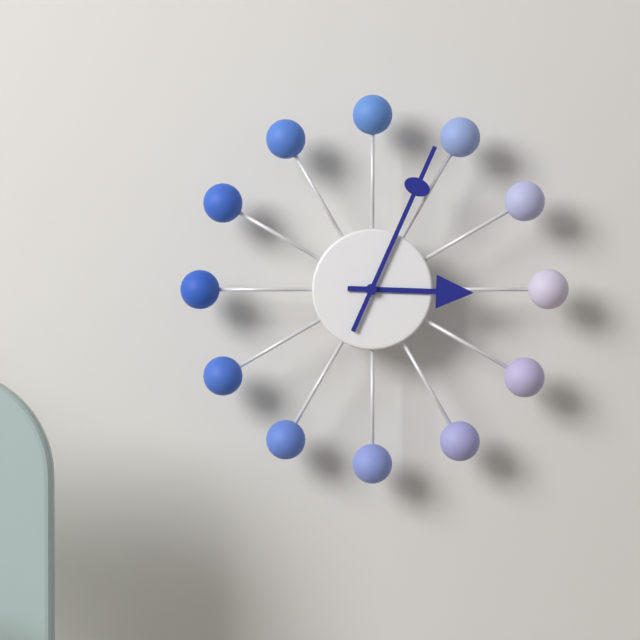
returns 3,04
